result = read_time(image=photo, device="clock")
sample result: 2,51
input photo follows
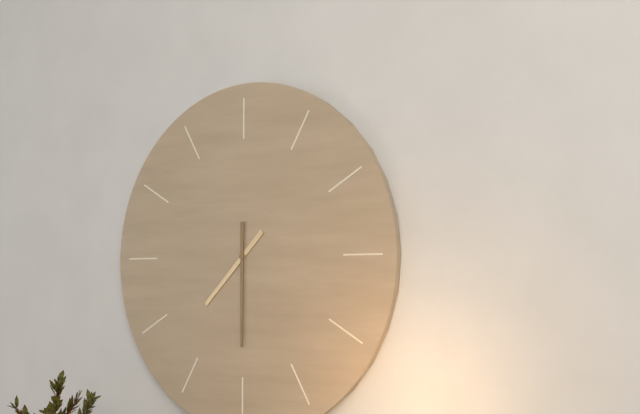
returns 7,30
